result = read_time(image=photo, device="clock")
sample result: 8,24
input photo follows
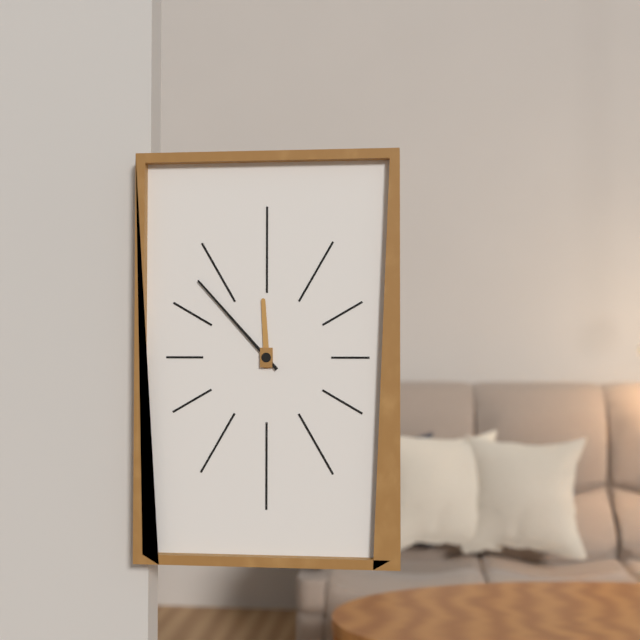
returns 11,53
